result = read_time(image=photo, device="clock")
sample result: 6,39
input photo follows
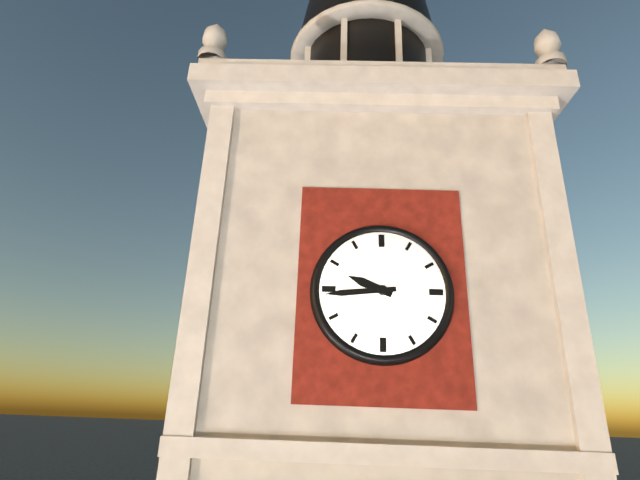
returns 9,44
